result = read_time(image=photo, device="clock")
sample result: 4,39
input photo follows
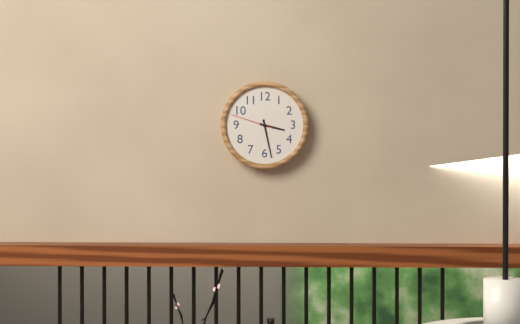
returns 3,28
